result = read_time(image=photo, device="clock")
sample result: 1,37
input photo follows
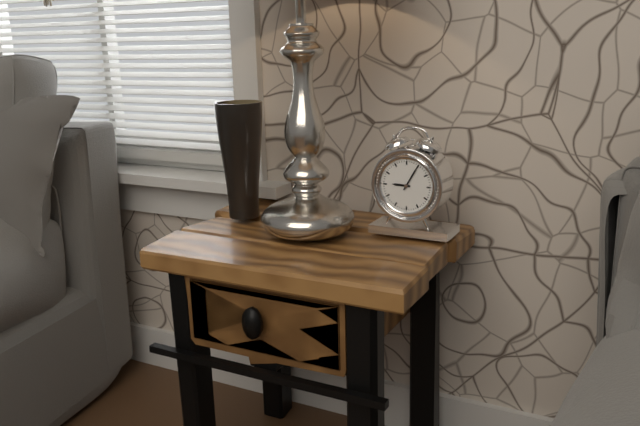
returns 9,05
